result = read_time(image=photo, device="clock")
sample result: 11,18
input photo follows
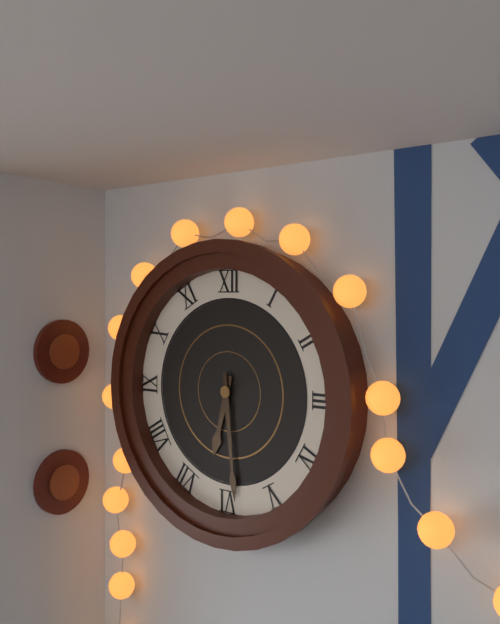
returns 6,29
